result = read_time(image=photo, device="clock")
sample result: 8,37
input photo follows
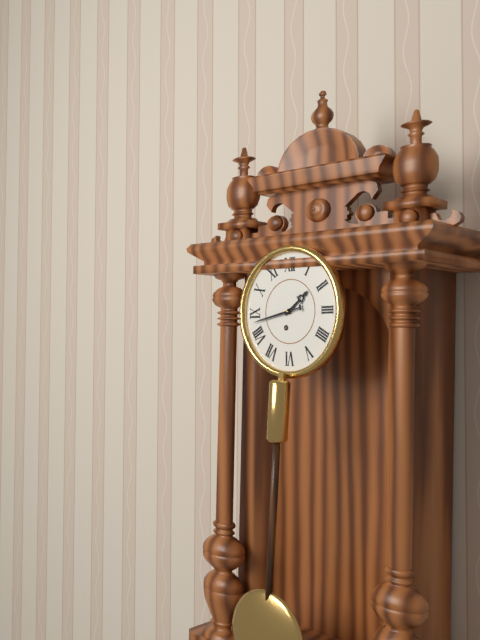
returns 1,43
